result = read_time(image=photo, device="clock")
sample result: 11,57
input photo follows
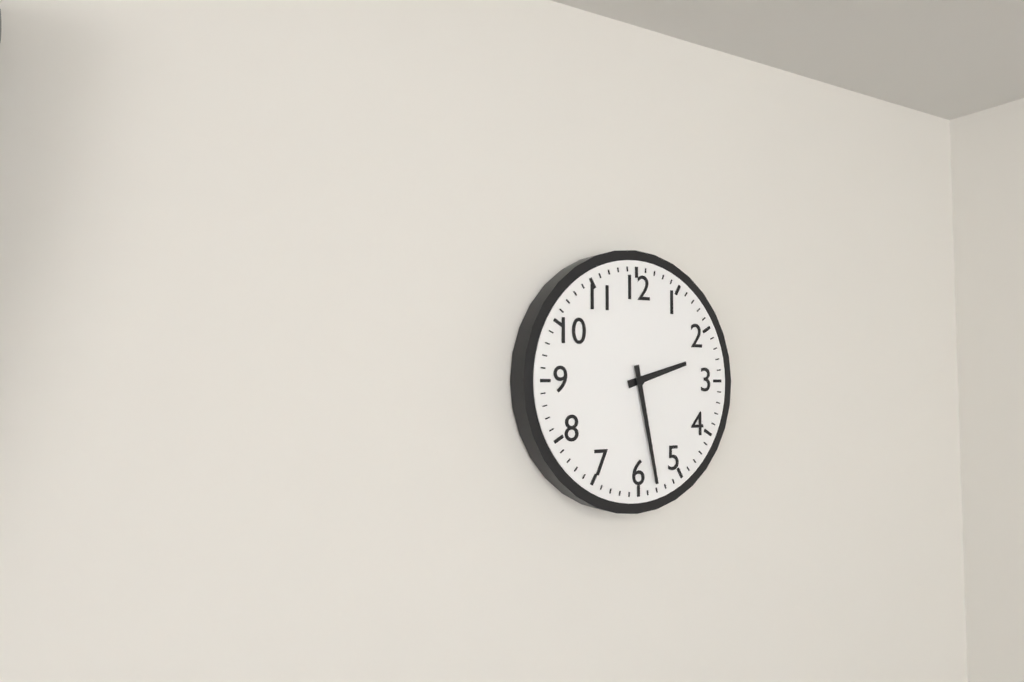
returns 2,28
